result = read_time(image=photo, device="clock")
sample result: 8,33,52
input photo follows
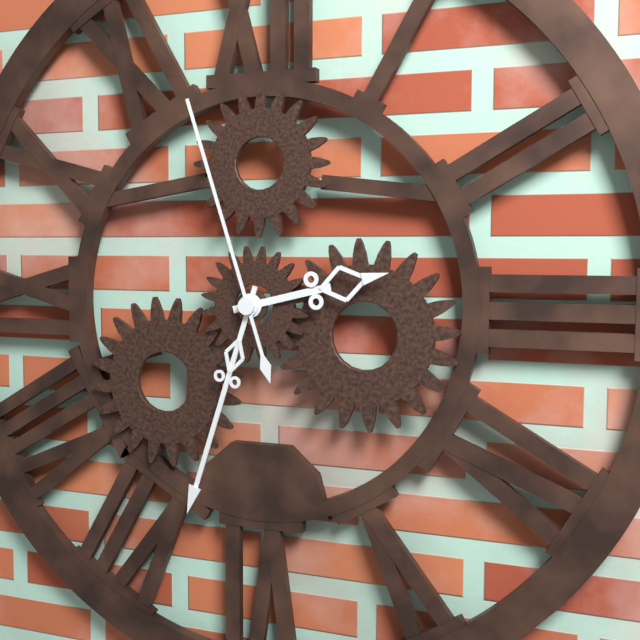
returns 2,33,57
